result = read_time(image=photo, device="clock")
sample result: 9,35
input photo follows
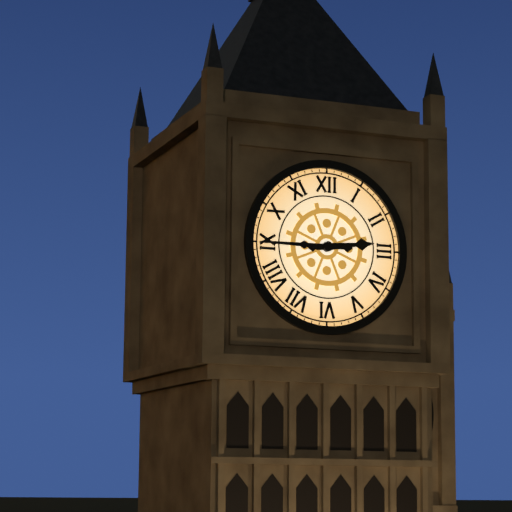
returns 2,45
